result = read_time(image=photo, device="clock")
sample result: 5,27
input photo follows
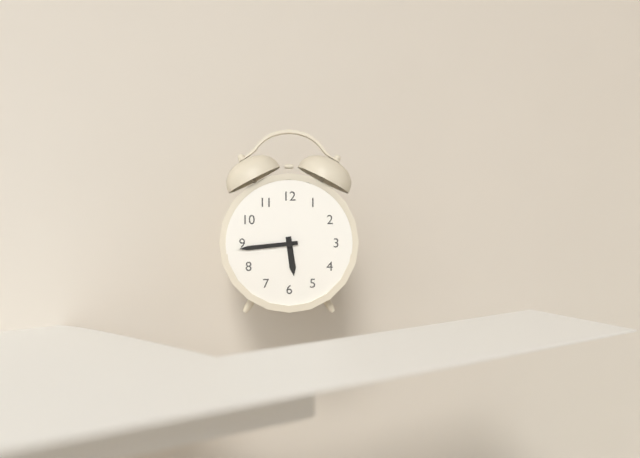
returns 5,44
